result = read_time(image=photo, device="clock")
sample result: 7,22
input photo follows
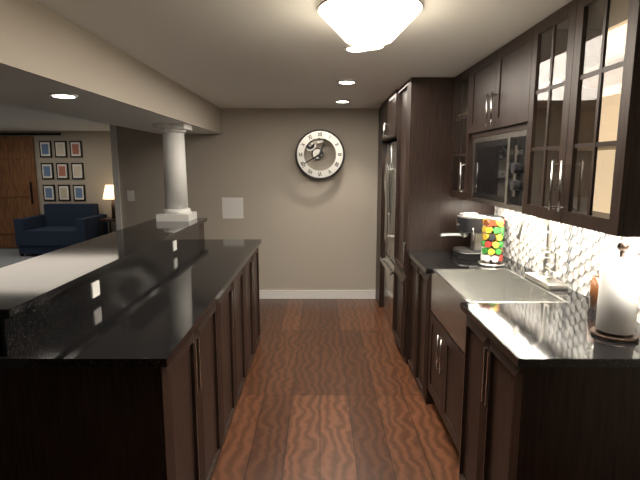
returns 12,40
